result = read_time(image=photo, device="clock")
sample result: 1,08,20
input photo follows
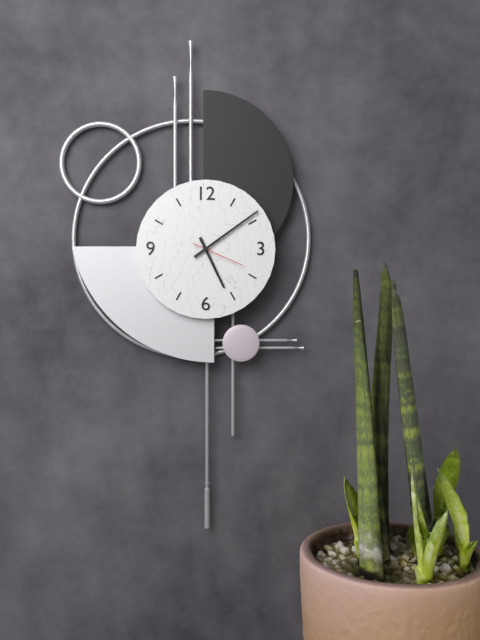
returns 5,09,19
